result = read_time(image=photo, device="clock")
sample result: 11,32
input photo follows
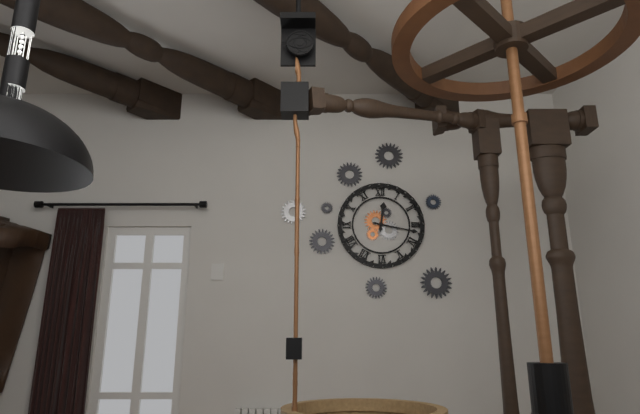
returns 12,17
